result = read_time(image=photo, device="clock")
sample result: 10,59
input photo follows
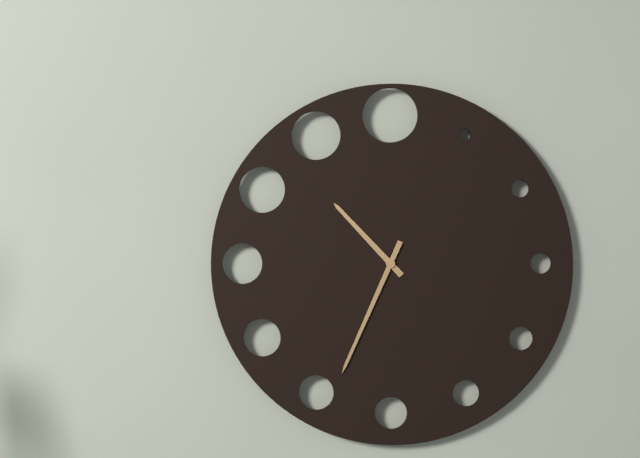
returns 10,34
